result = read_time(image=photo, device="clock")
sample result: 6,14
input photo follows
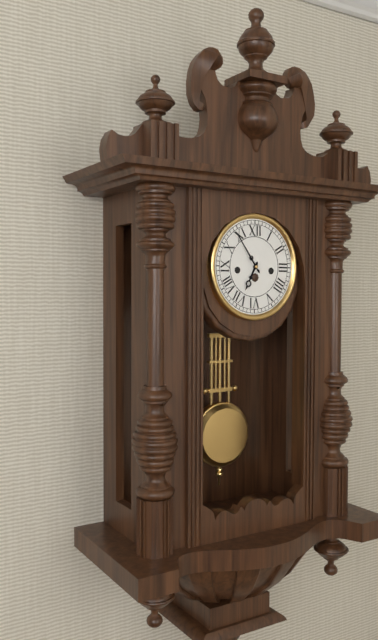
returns 6,54
